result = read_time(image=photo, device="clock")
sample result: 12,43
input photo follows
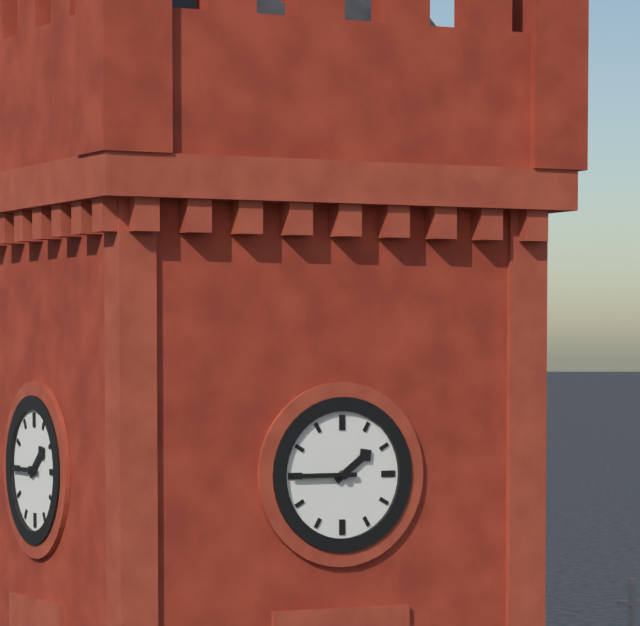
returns 1,45
